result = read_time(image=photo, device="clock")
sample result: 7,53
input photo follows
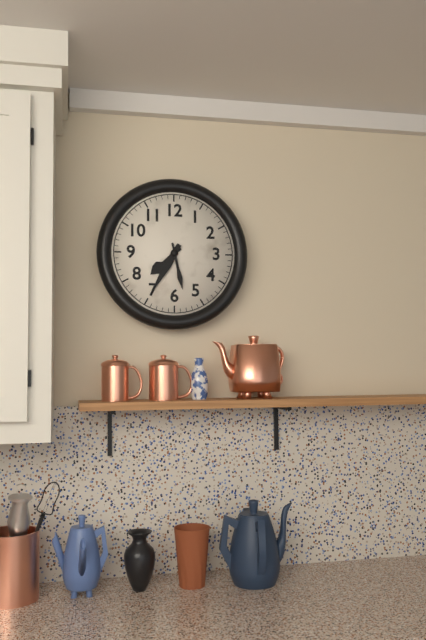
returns 7,35
